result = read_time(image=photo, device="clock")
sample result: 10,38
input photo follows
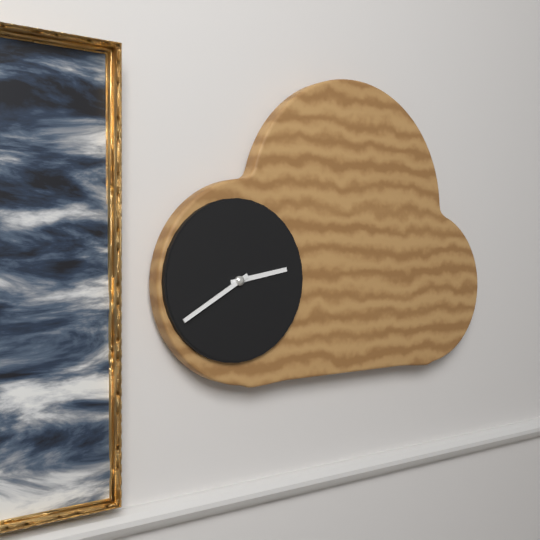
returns 2,40
